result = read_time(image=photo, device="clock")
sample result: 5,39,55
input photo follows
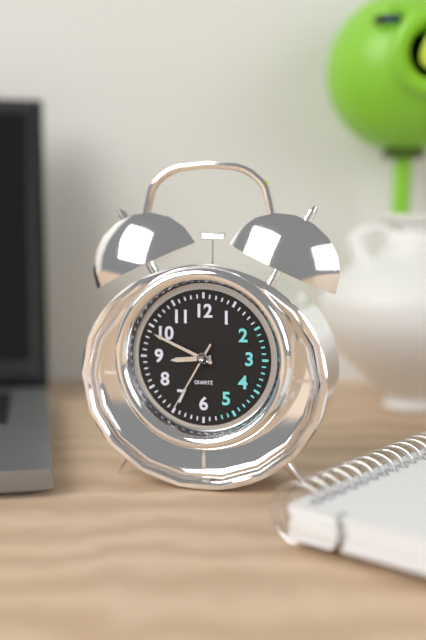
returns 8,49,35
